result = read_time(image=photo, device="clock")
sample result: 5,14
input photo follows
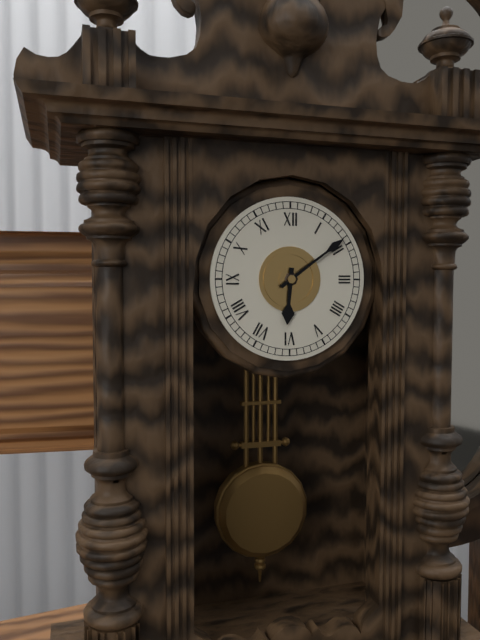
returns 6,09
